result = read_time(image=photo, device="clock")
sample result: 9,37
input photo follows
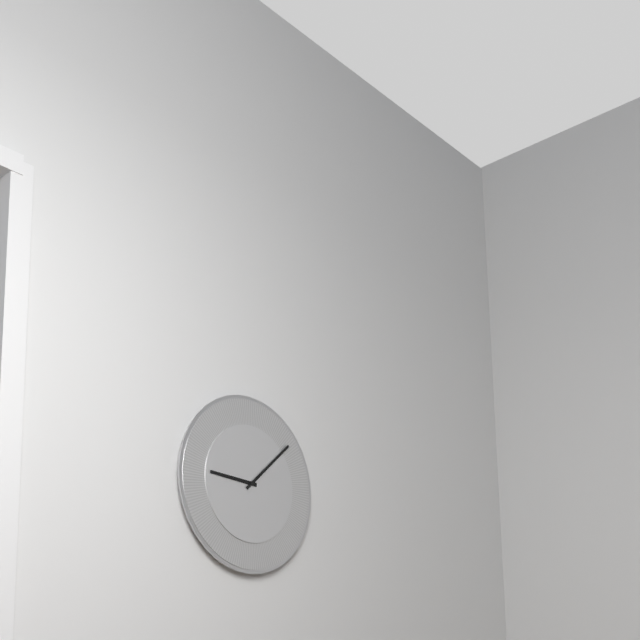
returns 9,08
